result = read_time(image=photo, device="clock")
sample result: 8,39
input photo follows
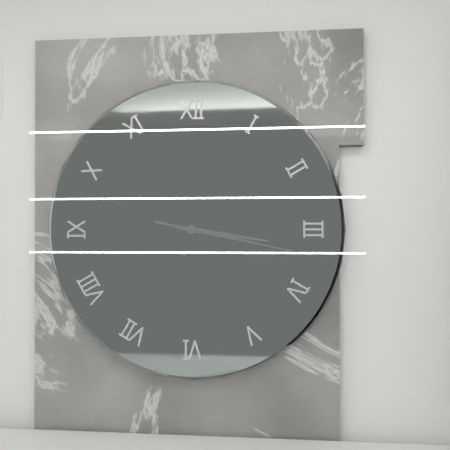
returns 3,17
